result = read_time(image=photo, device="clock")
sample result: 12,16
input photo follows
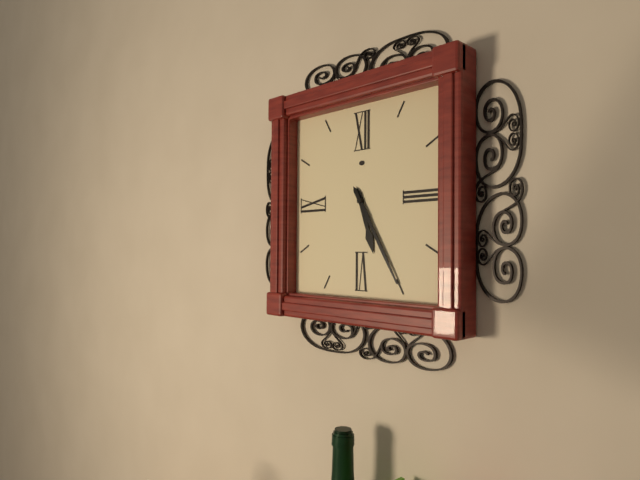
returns 5,25
